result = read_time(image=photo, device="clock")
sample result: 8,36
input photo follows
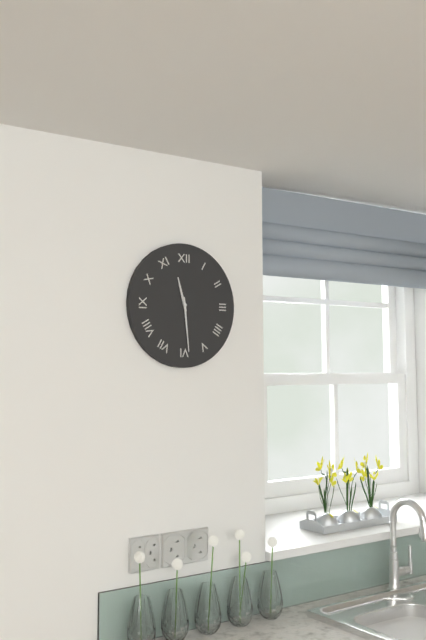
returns 11,29
